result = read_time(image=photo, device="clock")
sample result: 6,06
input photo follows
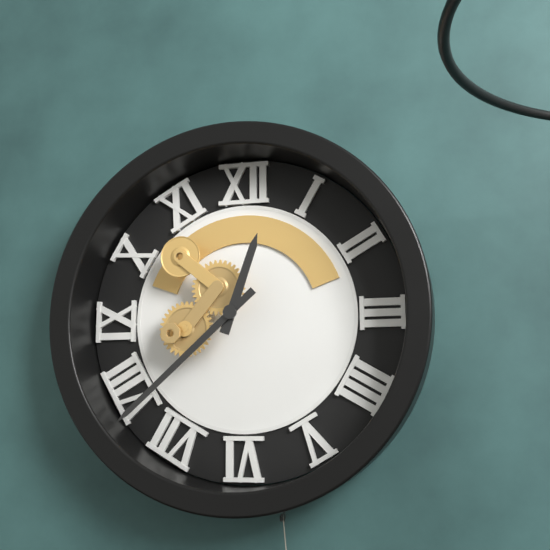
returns 12,38
